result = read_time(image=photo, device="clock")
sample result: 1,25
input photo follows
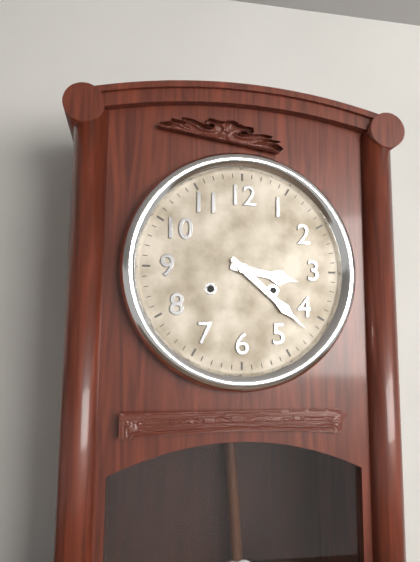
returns 3,22
